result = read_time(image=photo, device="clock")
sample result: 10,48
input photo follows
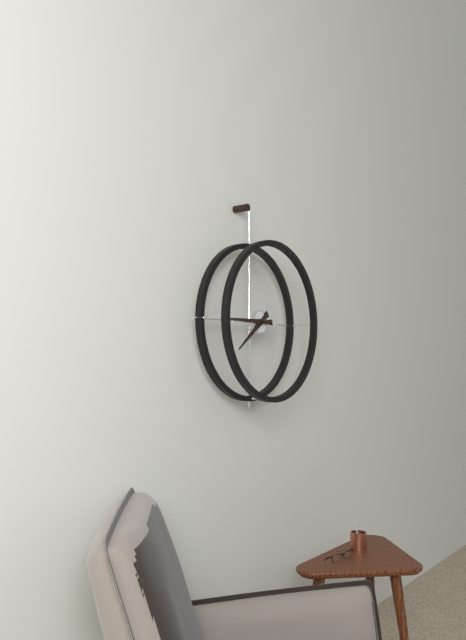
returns 7,45
